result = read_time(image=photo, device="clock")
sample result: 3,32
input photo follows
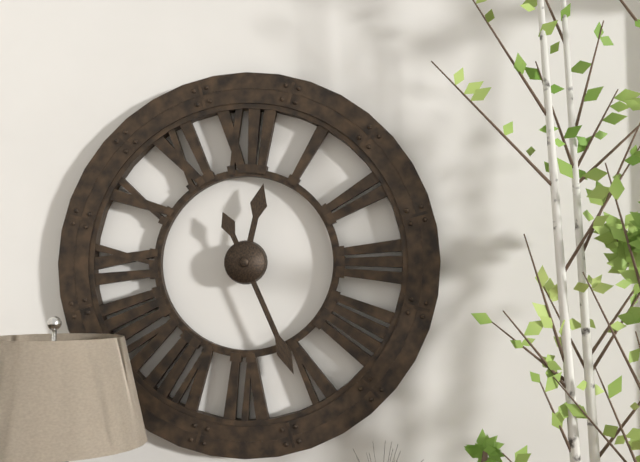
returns 12,26
